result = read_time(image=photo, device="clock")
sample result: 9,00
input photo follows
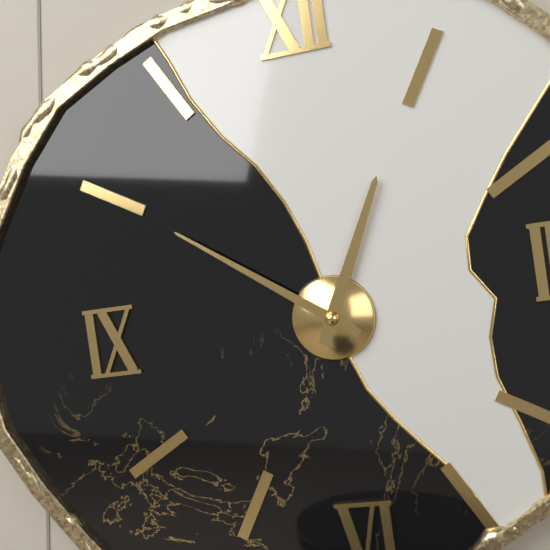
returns 12,51
